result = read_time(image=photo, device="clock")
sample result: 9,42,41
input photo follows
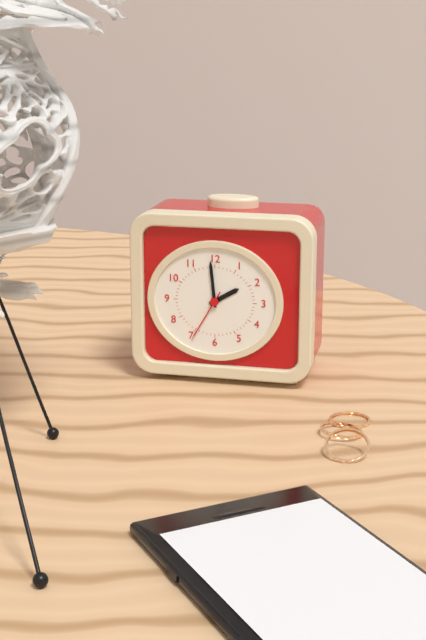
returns 1,59,35
